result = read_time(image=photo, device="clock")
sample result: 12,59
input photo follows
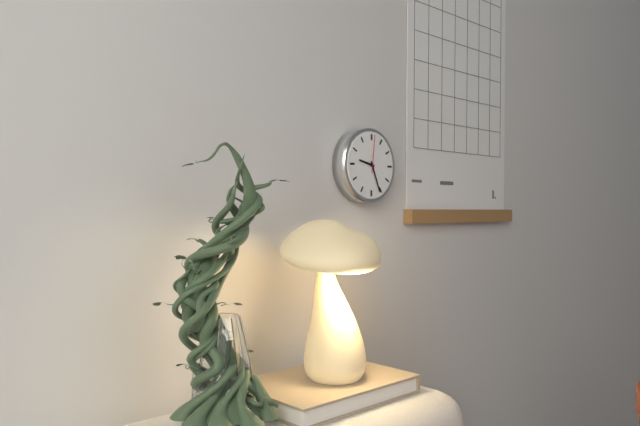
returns 9,26
